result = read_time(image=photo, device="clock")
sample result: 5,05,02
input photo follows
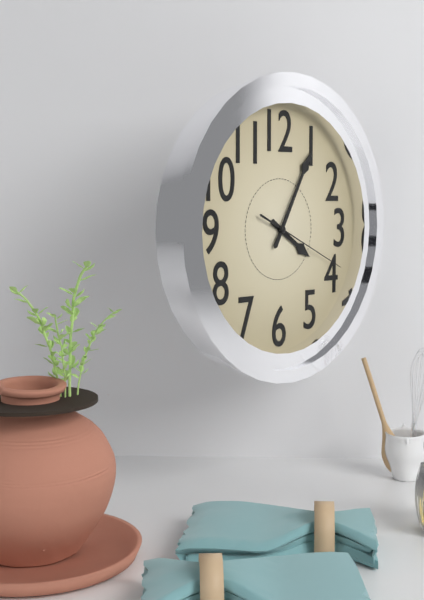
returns 4,05,19
